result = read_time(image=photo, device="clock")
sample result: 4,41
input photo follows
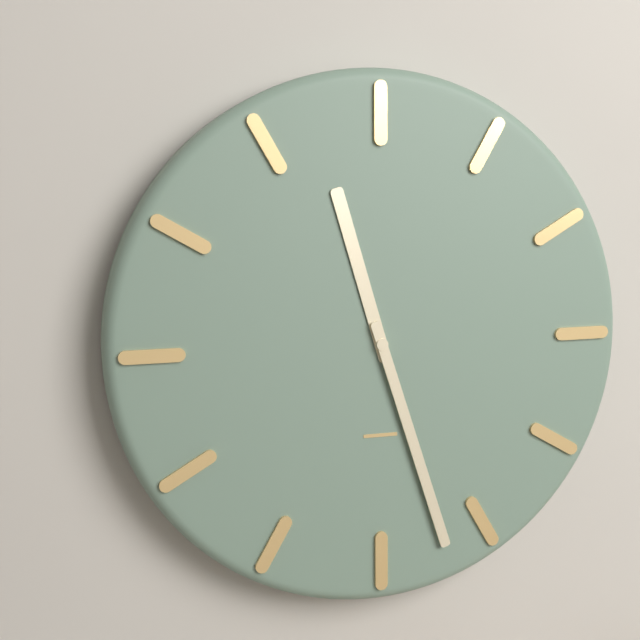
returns 11,27
